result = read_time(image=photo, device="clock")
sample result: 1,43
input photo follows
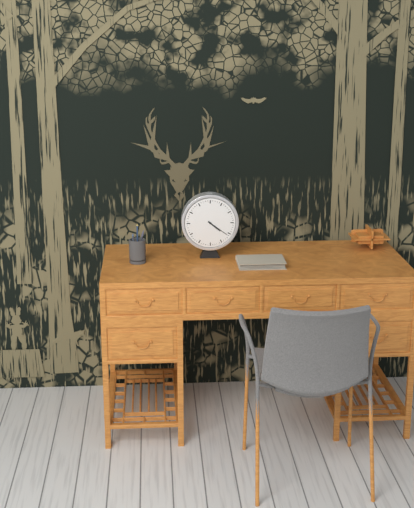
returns 4,21
